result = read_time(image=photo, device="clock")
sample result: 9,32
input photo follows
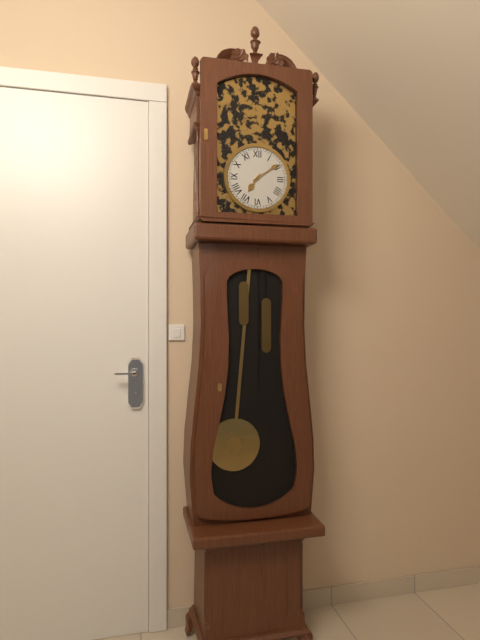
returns 7,09
